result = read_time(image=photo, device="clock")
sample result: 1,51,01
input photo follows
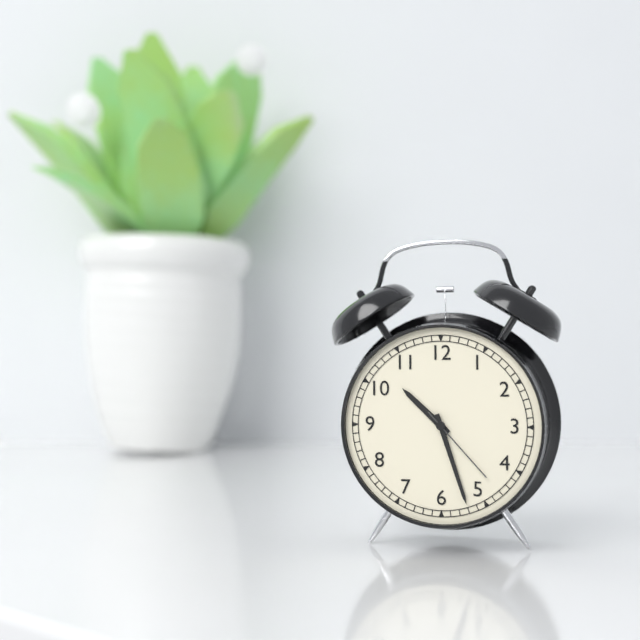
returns 10,27,23
